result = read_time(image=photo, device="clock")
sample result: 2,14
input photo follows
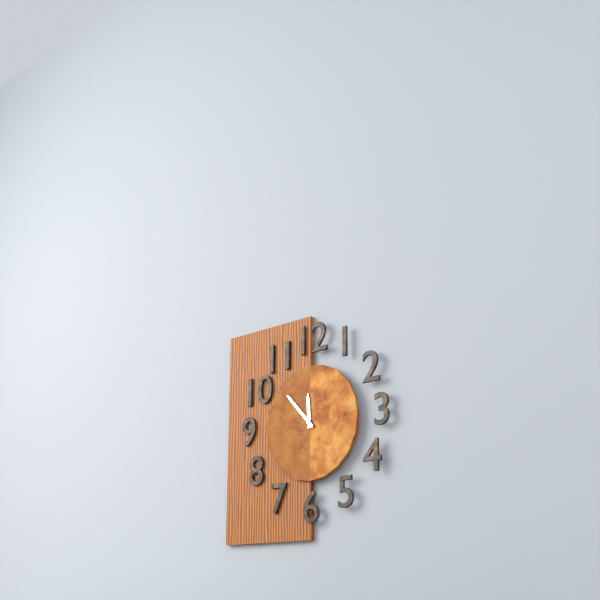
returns 11,53
